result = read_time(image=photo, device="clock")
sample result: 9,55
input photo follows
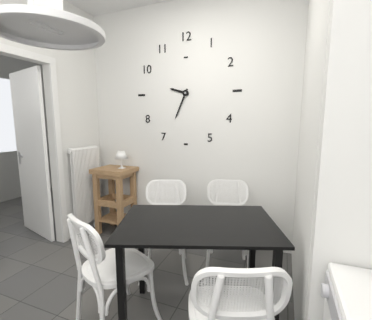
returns 9,34
